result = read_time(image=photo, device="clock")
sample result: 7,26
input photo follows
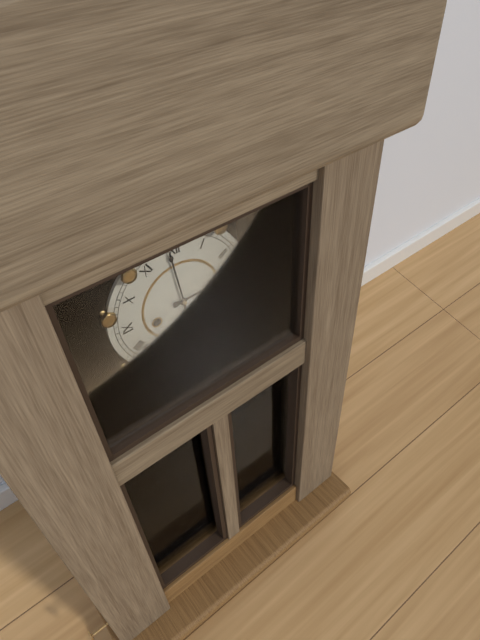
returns 2,59
